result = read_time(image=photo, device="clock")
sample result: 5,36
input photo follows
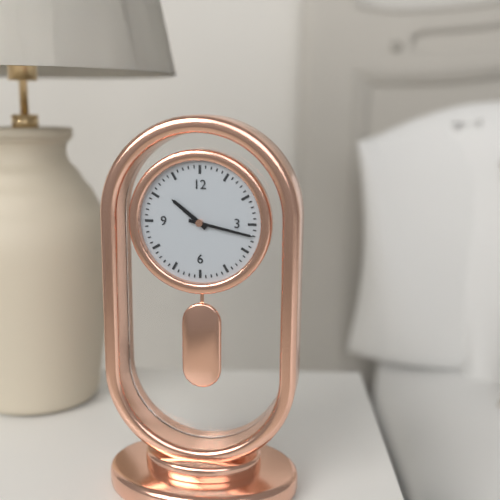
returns 10,17
